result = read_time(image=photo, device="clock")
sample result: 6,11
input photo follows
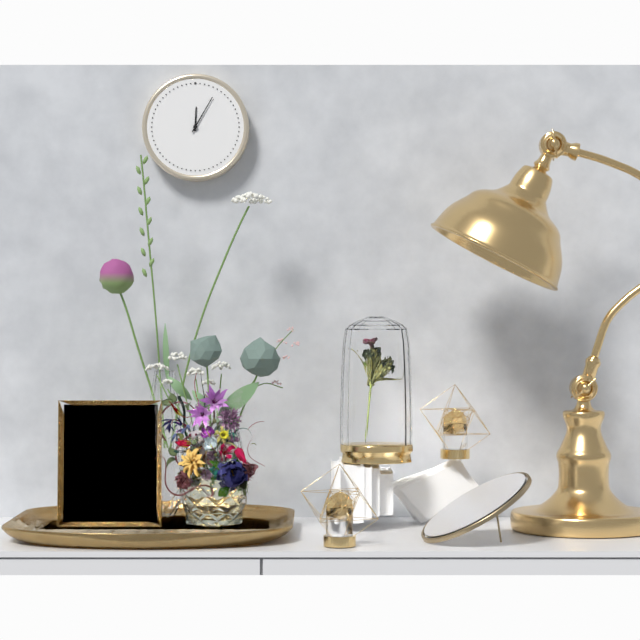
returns 12,05
